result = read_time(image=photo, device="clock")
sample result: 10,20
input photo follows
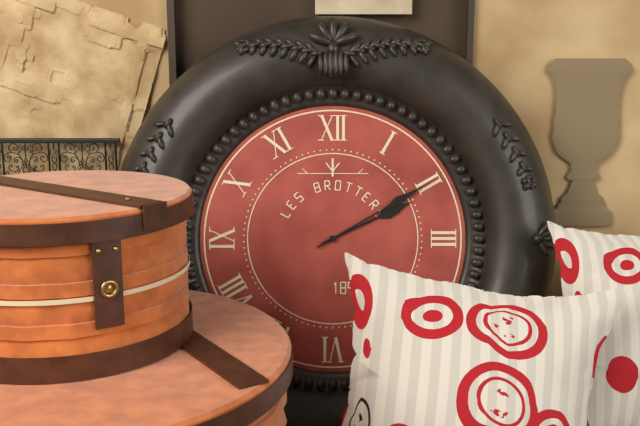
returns 2,10
